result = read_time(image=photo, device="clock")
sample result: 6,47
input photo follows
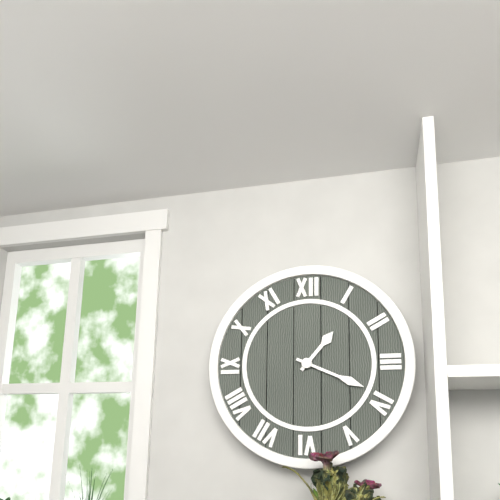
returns 1,19
